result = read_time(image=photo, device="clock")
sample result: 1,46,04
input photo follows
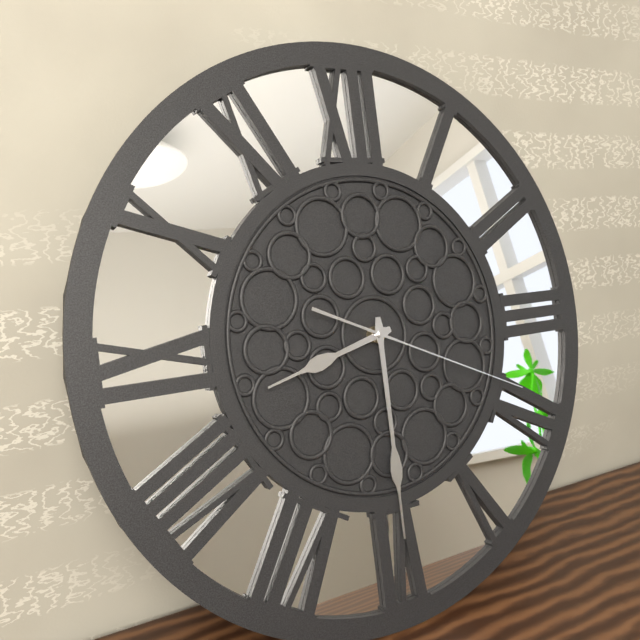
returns 8,30,19
